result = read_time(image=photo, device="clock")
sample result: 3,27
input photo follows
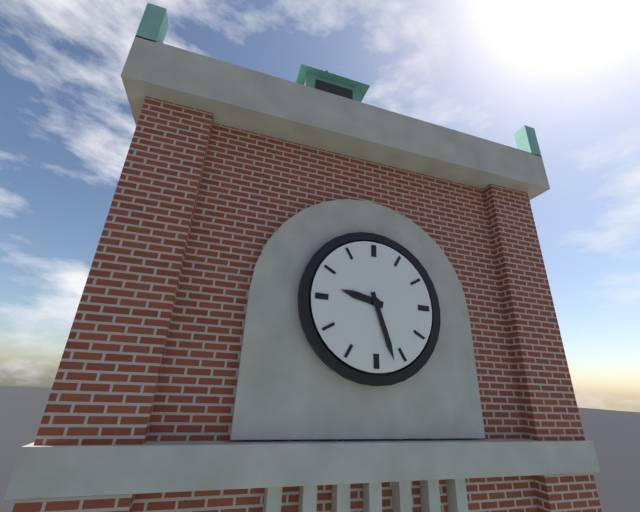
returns 9,27
